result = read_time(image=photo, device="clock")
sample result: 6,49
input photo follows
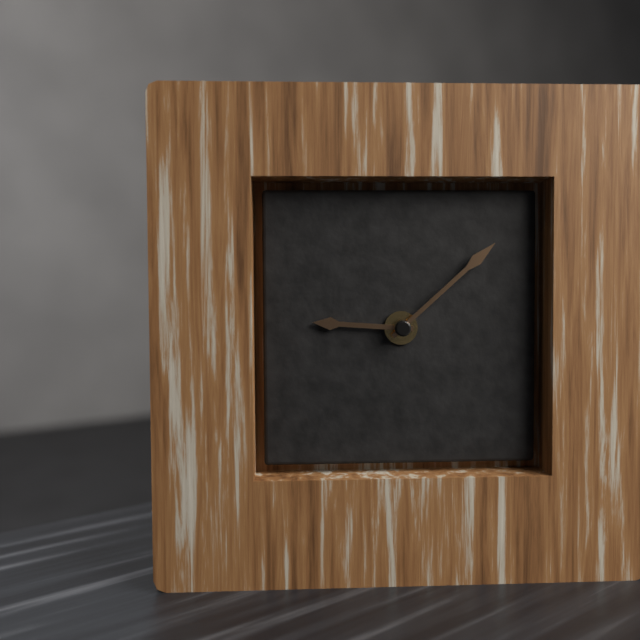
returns 9,08
